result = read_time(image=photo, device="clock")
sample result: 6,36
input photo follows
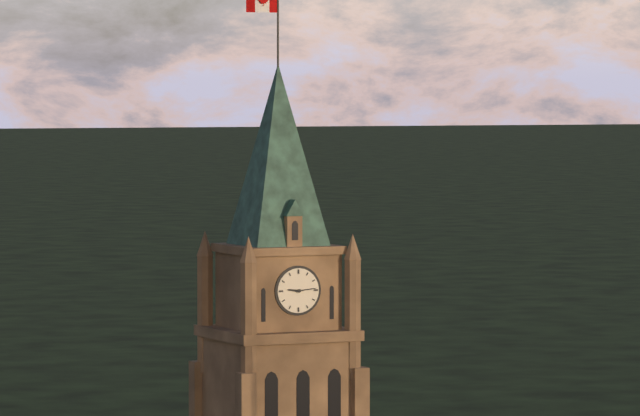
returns 9,14
